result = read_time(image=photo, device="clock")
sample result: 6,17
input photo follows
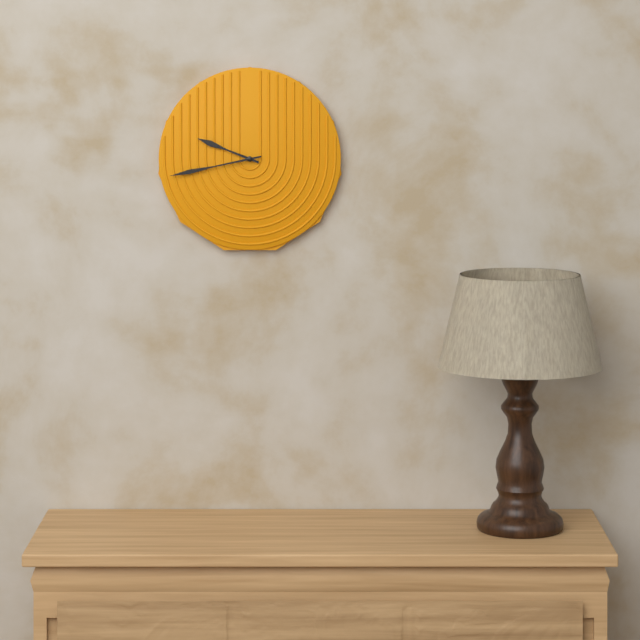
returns 9,43
